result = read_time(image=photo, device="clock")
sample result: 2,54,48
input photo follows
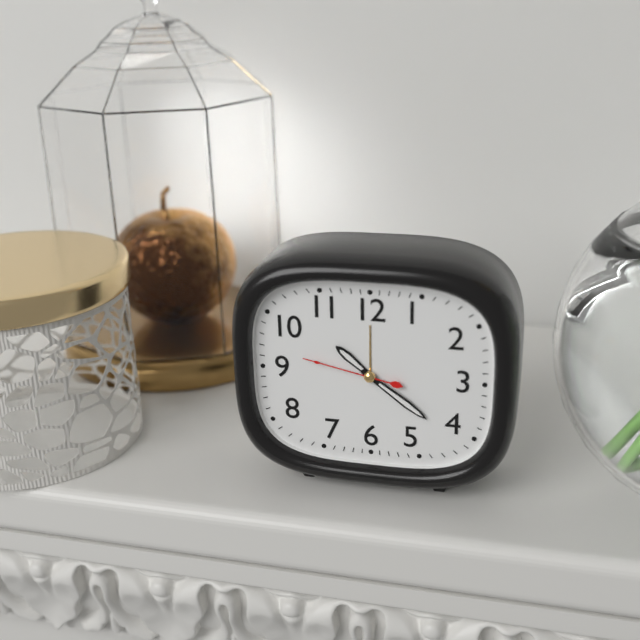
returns 10,21,47
